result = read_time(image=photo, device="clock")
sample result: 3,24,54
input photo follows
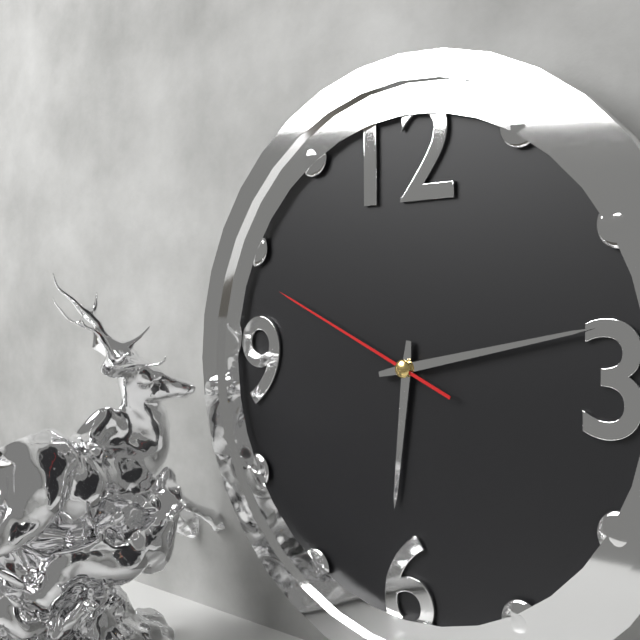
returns 6,13,49
